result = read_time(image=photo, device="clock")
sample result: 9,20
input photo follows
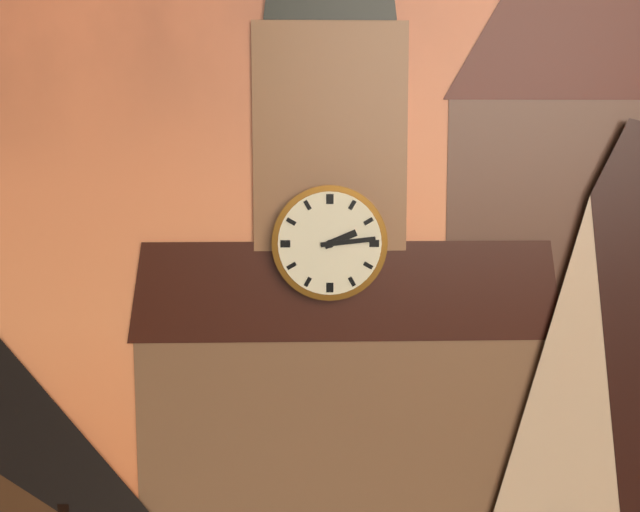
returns 2,14
